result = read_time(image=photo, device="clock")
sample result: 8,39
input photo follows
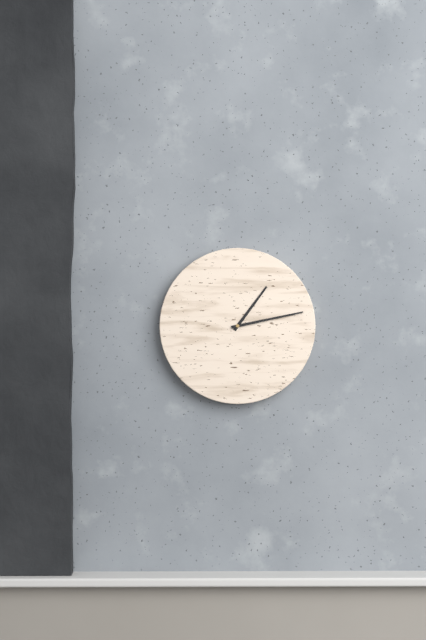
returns 1,13
